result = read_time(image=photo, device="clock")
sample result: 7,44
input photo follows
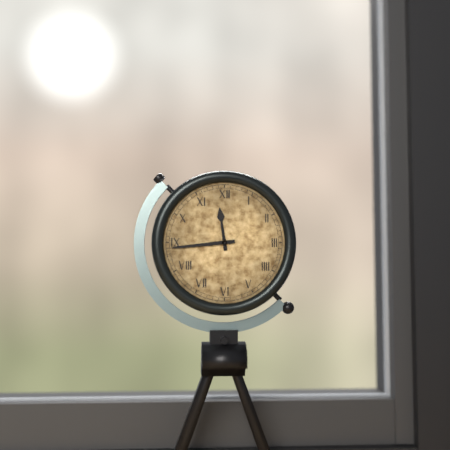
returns 11,44
